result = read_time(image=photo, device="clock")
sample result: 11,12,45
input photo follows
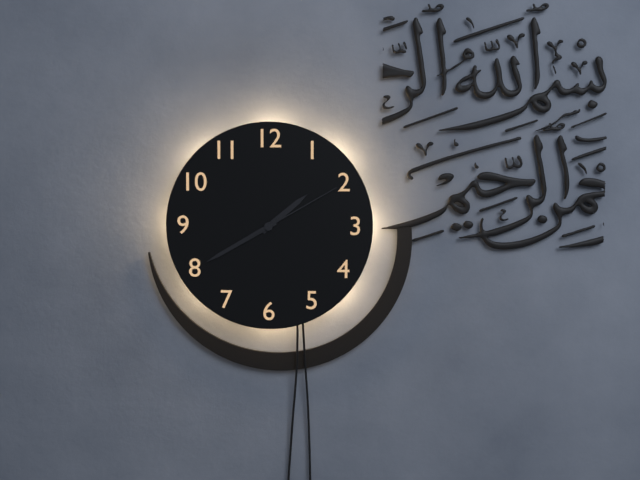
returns 1,40,10
